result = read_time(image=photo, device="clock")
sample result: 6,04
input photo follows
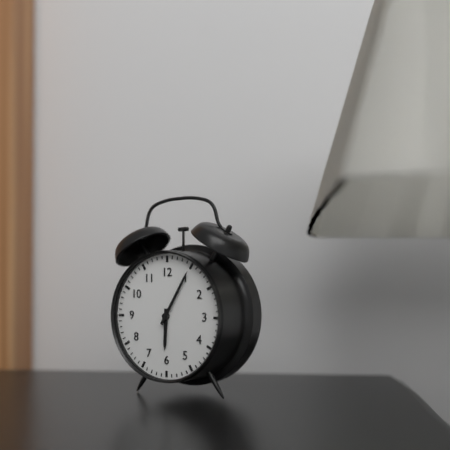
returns 6,05
